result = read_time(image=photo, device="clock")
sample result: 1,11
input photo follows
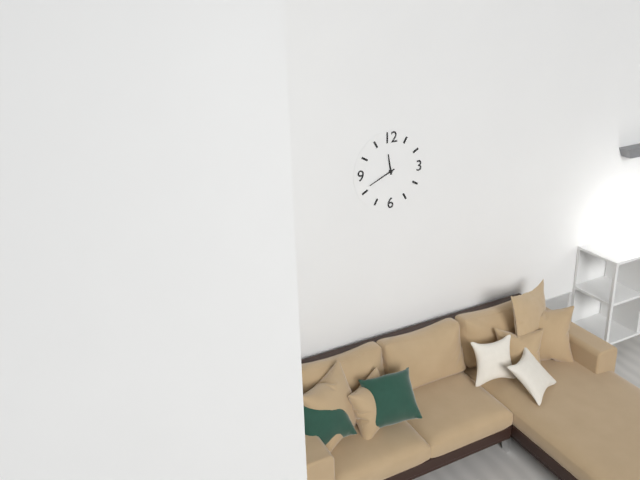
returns 11,41
